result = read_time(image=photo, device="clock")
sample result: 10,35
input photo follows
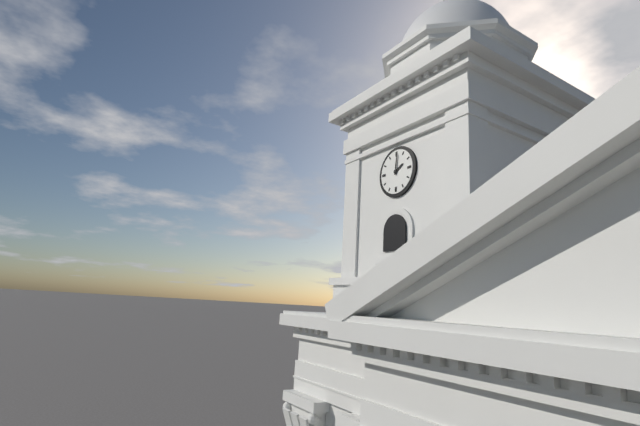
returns 2,01
